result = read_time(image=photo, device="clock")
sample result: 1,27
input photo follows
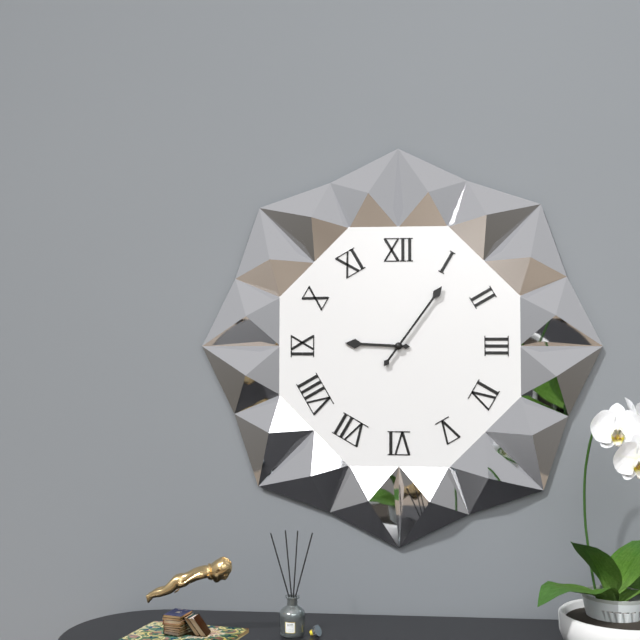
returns 9,06
